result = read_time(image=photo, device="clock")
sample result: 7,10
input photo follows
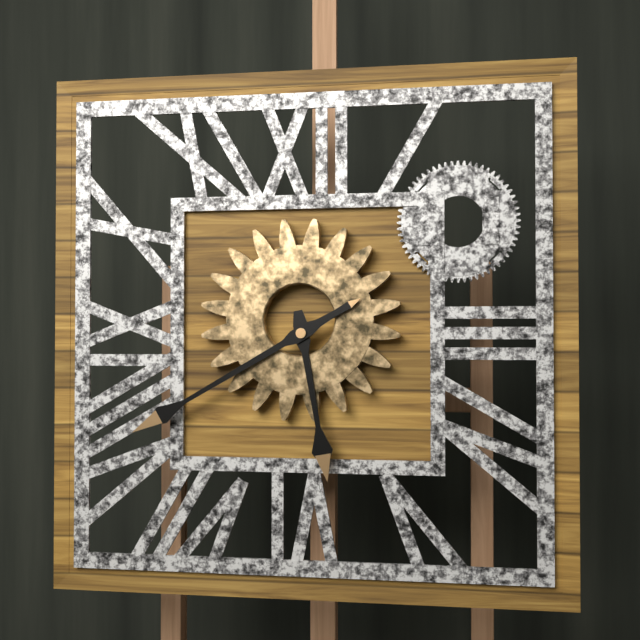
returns 5,40
